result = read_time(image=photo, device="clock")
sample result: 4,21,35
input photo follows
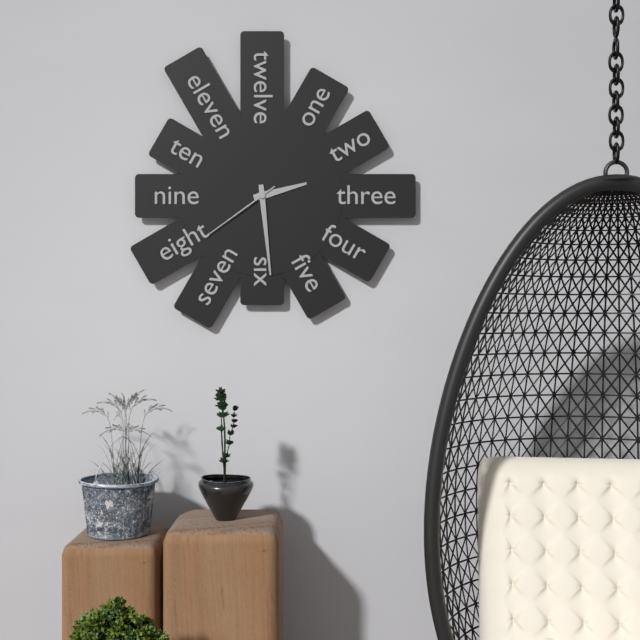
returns 2,29,39
